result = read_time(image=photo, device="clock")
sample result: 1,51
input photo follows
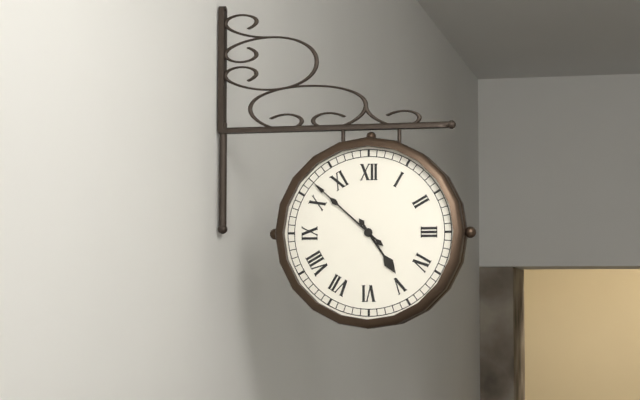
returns 4,52
